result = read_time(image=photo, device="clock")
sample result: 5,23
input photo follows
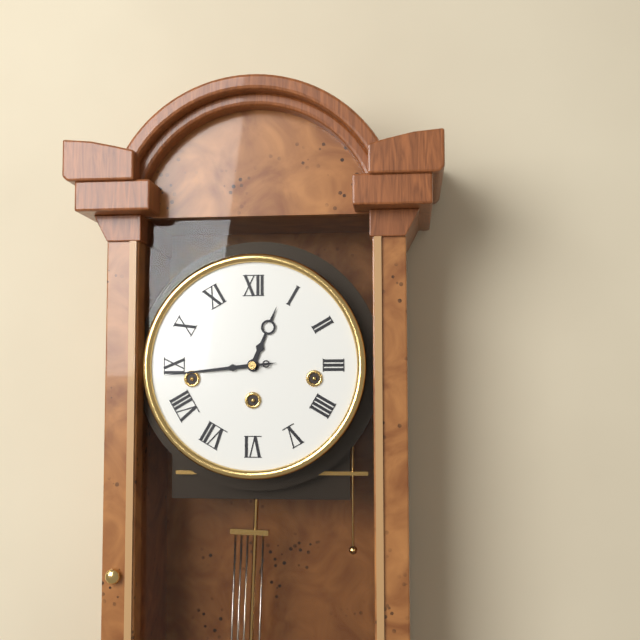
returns 12,44
